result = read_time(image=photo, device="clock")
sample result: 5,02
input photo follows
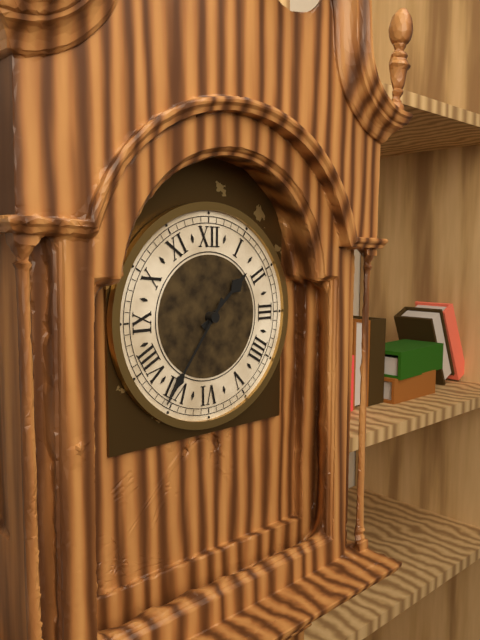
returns 1,36
